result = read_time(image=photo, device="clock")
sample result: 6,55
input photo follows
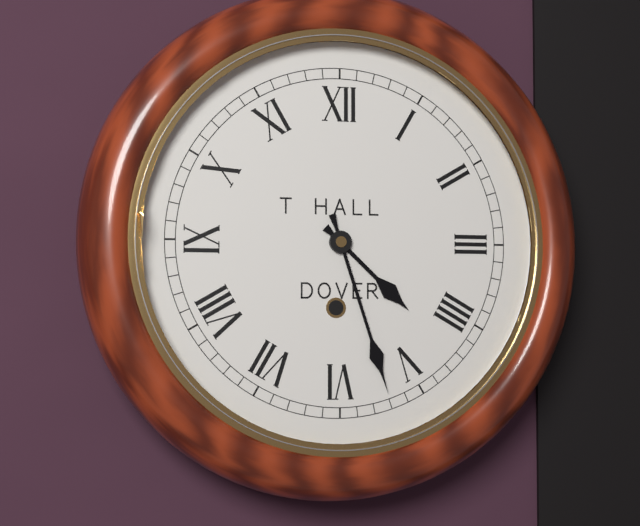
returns 4,27
